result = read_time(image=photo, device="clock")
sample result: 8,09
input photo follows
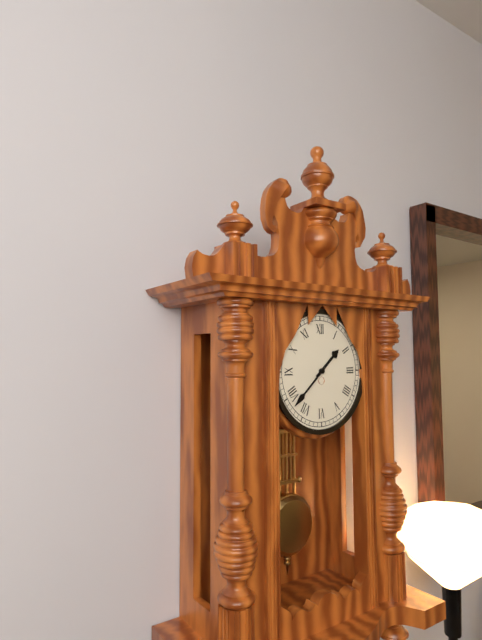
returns 1,38
